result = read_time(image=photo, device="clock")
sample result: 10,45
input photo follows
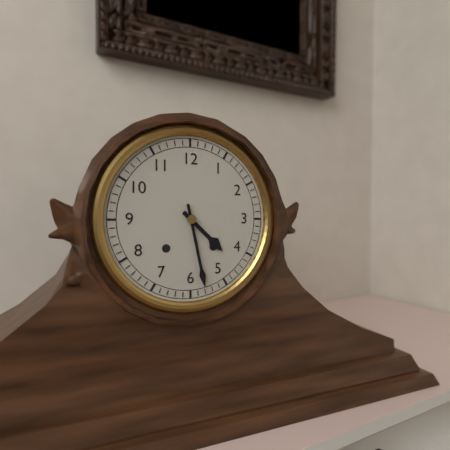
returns 4,28
